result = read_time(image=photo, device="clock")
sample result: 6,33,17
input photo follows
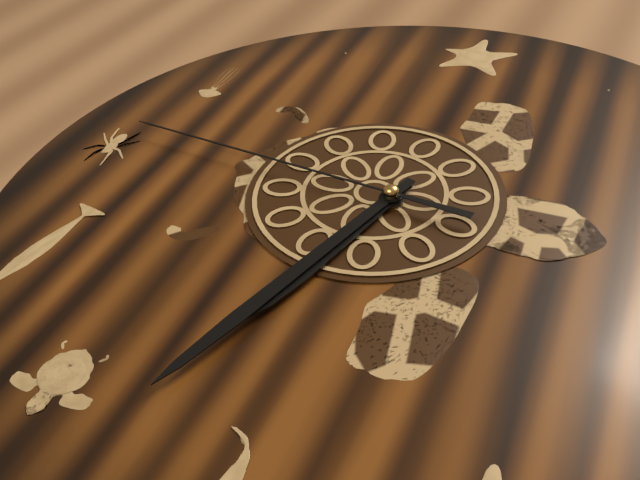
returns 6,33,46
